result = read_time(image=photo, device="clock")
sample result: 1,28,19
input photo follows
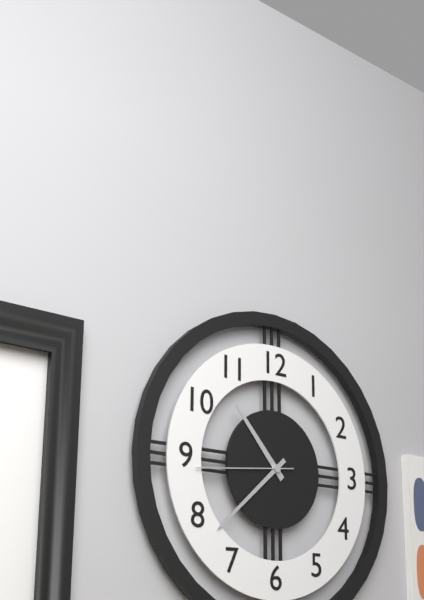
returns 10,38,44
